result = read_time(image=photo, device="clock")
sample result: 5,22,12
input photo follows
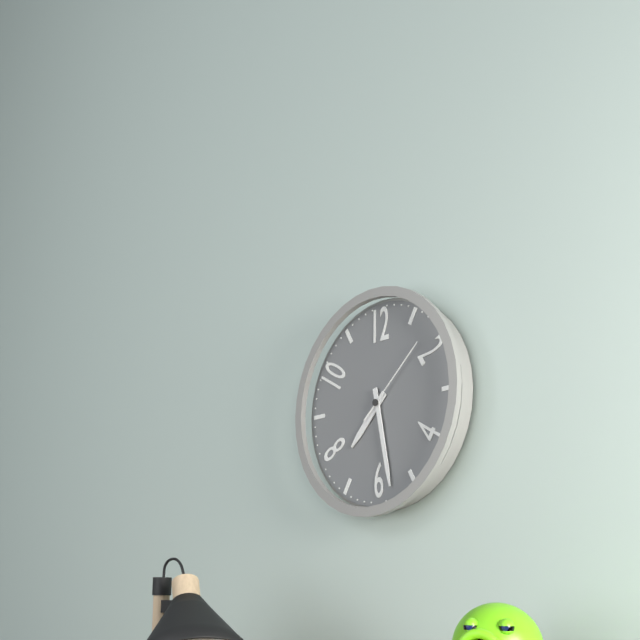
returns 7,28,08
